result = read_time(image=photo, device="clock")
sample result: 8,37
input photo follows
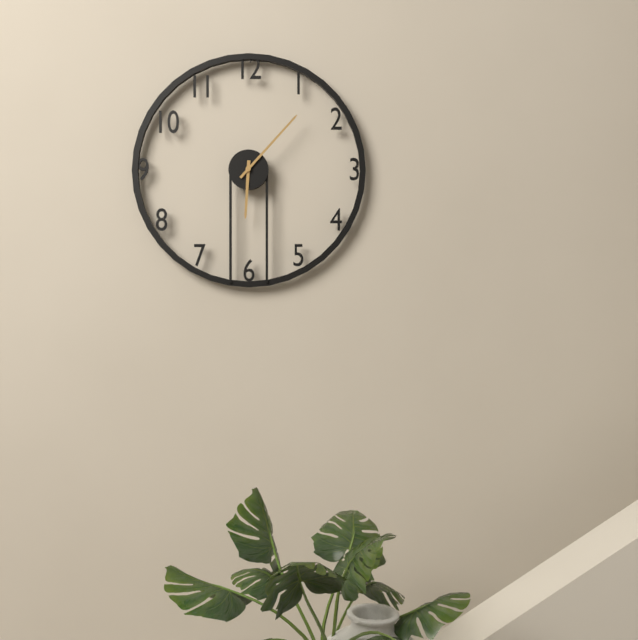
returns 6,07
